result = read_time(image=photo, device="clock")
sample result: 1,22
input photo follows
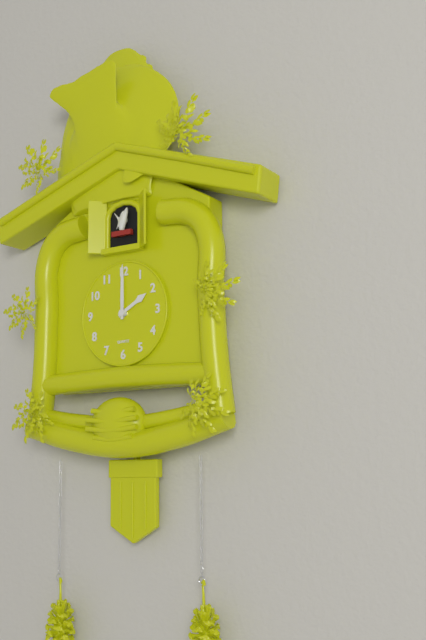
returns 2,00
